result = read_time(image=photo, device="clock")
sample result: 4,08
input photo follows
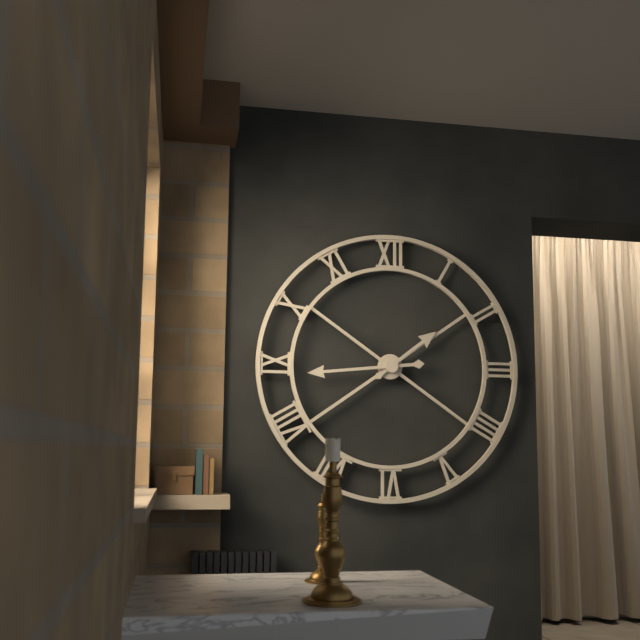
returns 1,44
